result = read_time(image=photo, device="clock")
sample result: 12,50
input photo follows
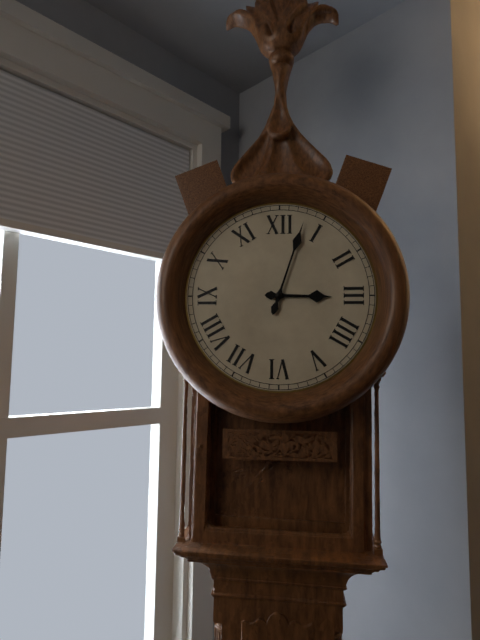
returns 3,03
